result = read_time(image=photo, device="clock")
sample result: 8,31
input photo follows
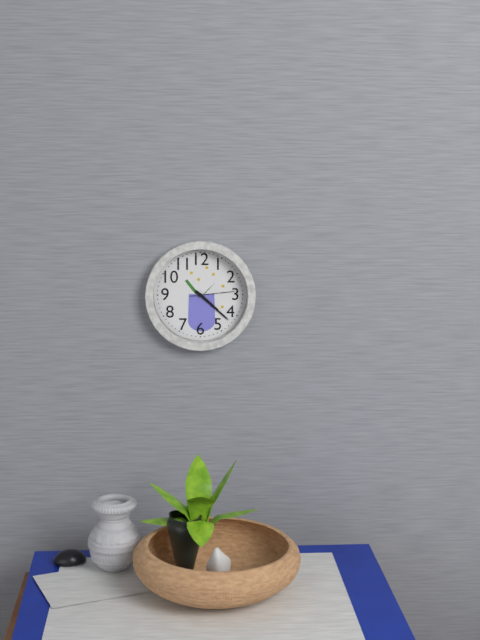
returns 4,22
